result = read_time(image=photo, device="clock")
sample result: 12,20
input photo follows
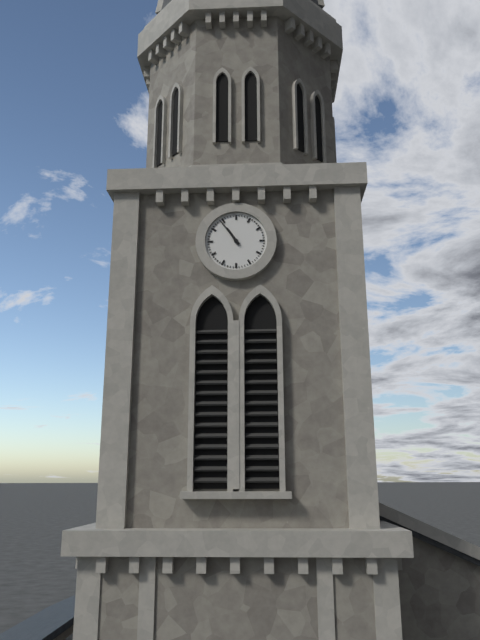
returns 10,54
